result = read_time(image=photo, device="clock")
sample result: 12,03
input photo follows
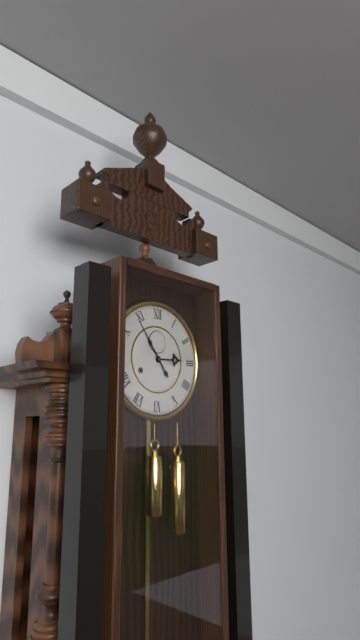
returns 2,54
